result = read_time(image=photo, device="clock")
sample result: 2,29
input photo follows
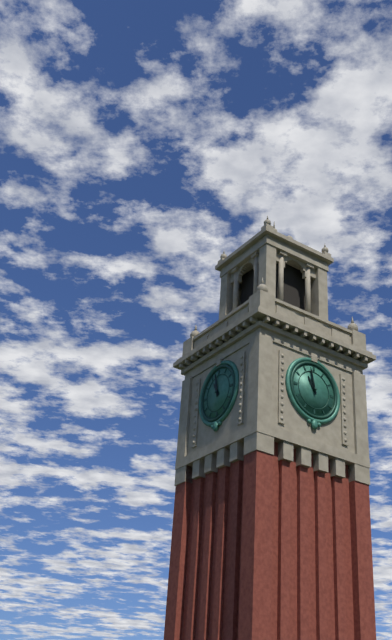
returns 10,58
